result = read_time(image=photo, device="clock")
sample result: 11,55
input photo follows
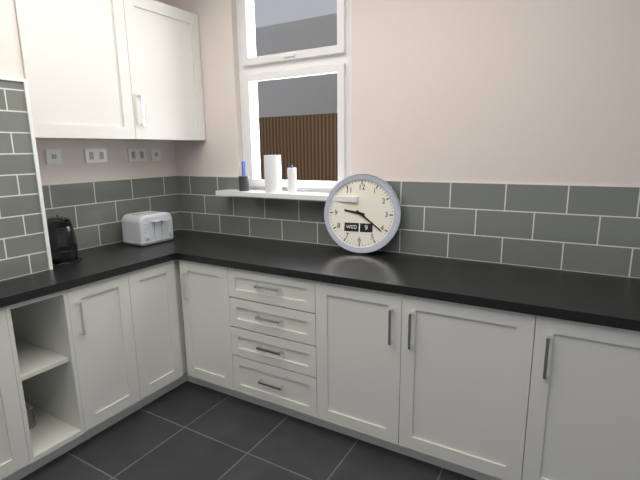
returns 9,21
